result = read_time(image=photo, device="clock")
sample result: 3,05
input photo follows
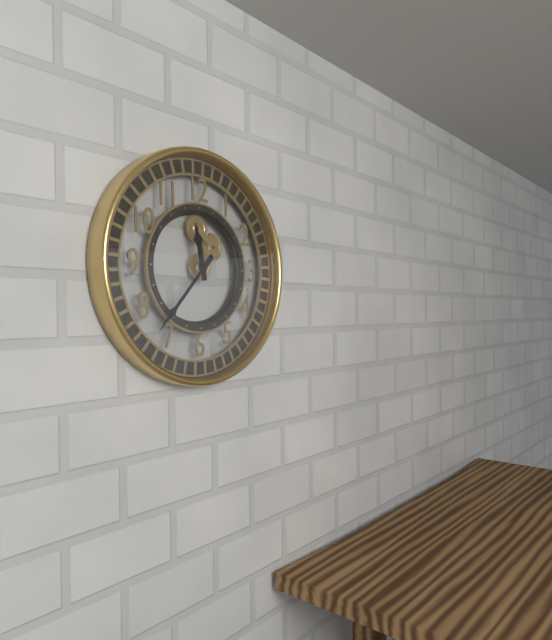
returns 11,37
